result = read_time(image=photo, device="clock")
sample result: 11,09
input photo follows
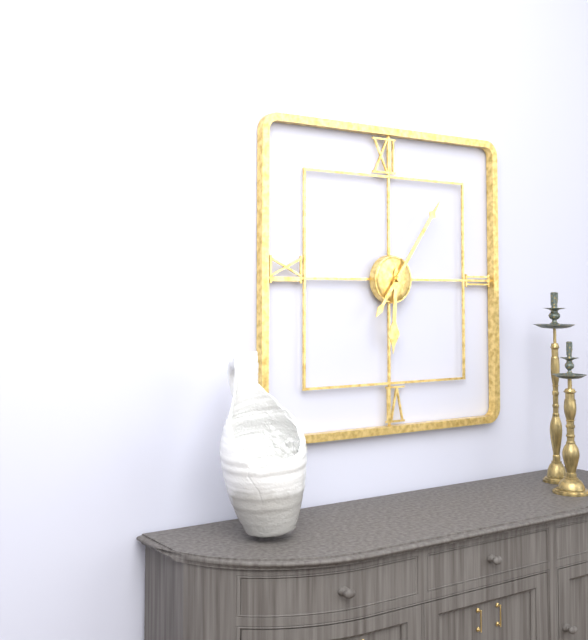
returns 6,06
